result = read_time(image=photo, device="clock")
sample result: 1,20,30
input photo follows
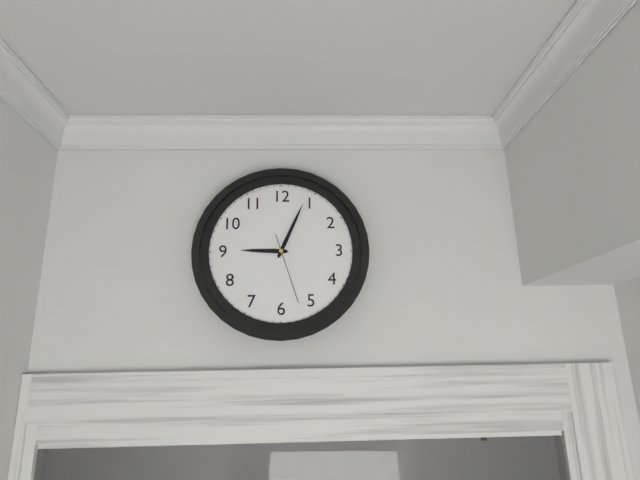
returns 9,04,27
